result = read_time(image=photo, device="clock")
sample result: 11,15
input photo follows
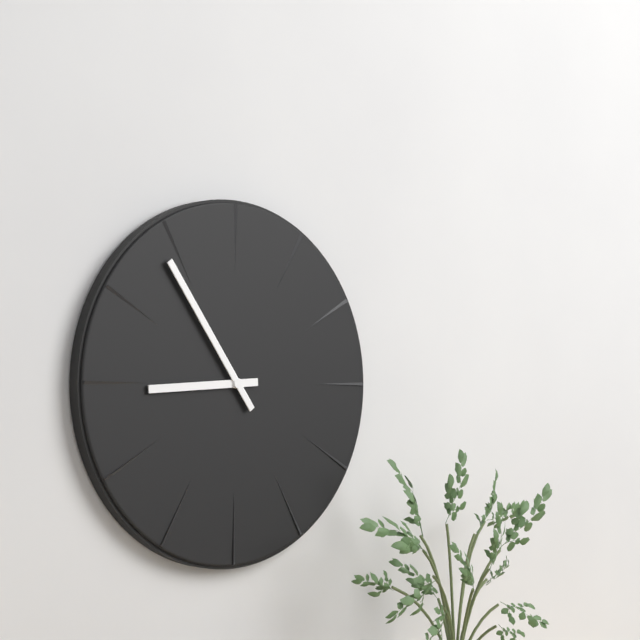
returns 8,54
